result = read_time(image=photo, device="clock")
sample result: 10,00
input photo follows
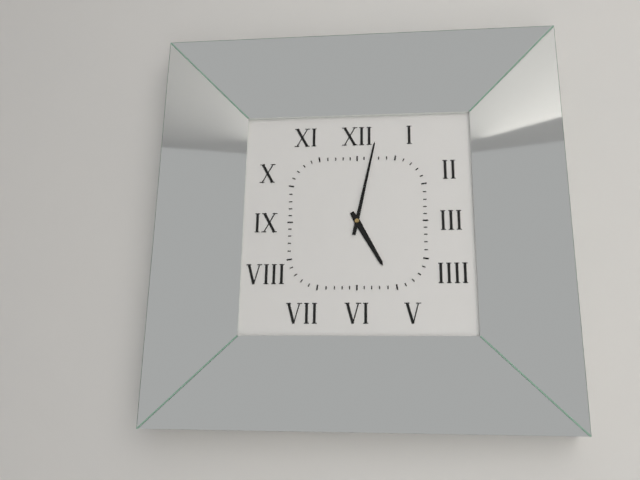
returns 5,02
